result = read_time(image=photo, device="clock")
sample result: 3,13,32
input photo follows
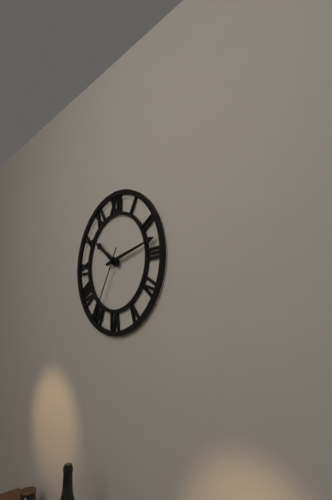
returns 10,13,35
